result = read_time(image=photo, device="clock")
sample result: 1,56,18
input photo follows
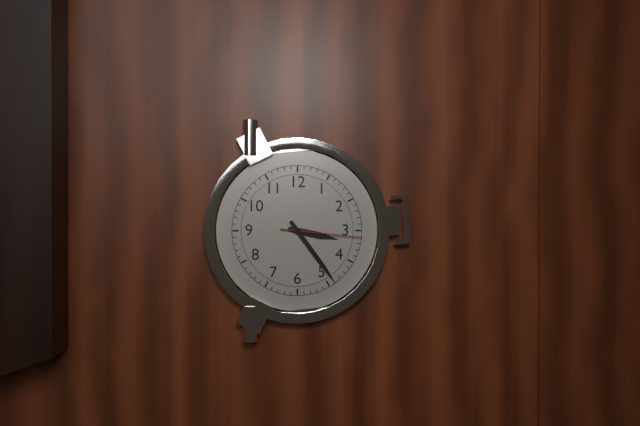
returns 3,24,16
